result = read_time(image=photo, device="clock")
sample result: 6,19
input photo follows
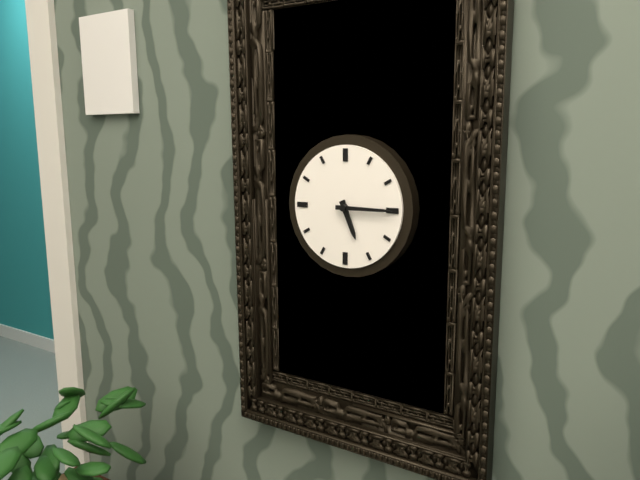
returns 5,15
